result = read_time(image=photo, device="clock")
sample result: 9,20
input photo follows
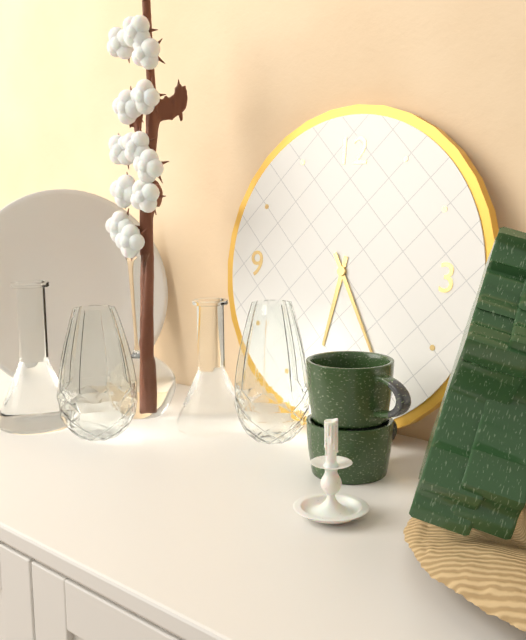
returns 6,25
